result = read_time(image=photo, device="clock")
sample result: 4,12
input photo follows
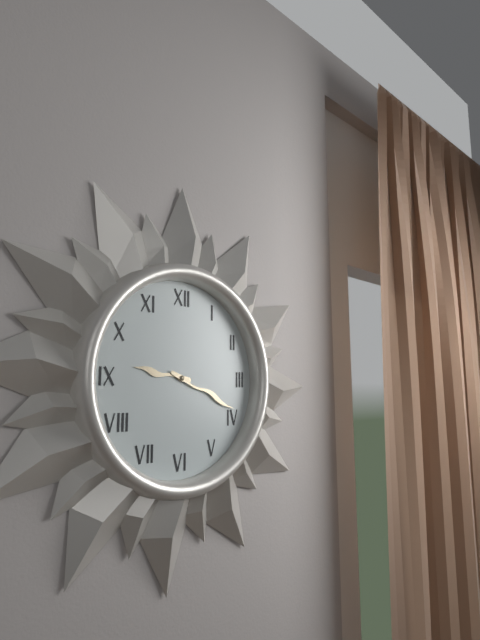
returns 9,19
